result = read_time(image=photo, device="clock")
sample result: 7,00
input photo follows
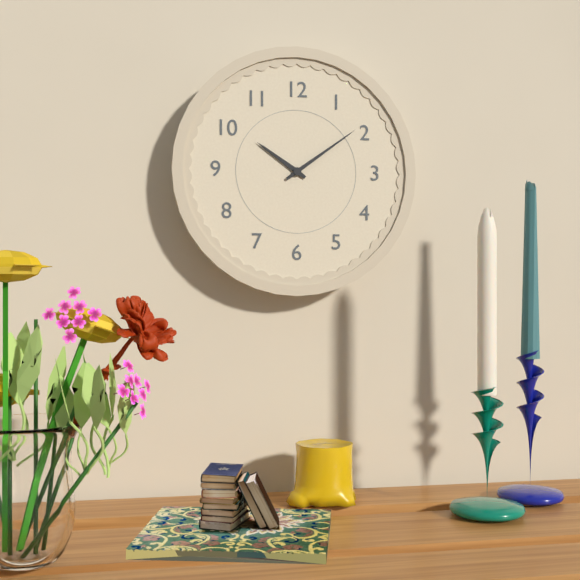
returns 10,09
